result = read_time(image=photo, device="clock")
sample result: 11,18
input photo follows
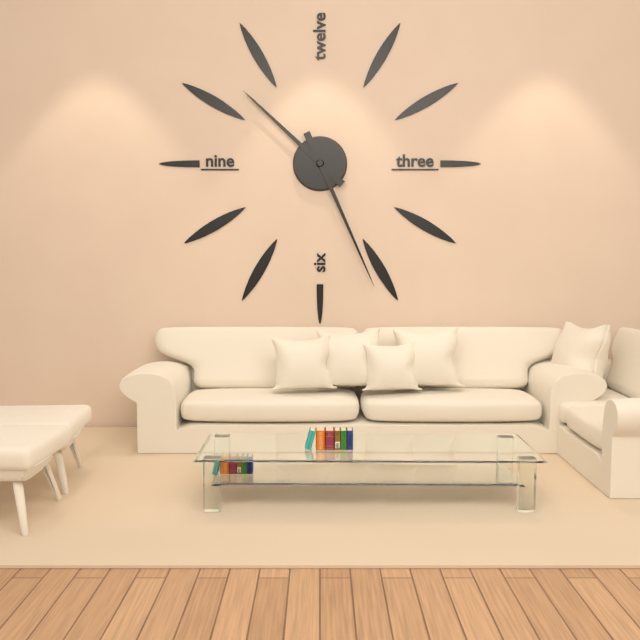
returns 10,26
